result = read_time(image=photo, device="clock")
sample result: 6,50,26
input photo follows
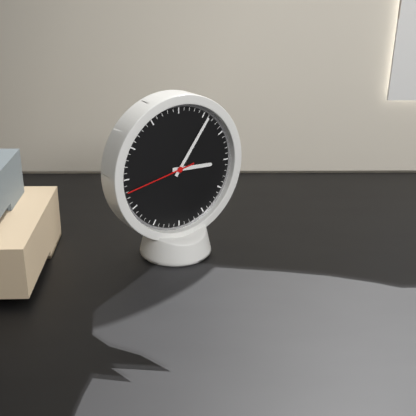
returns 3,06,43
